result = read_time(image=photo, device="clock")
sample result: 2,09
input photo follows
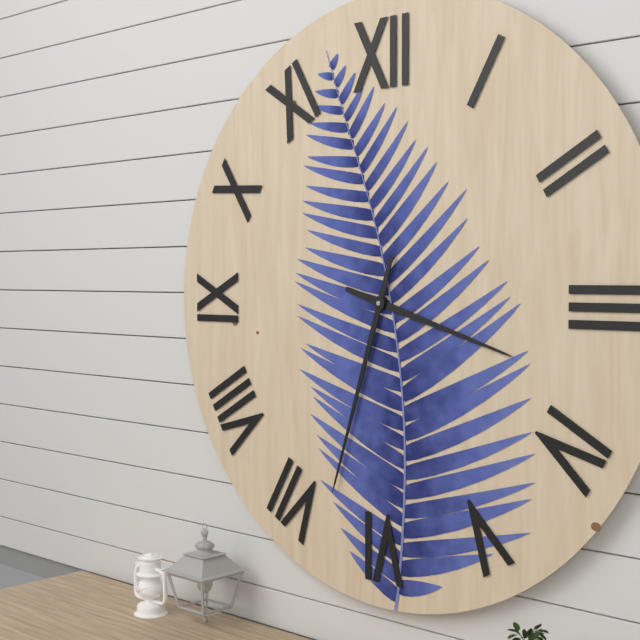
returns 3,33
